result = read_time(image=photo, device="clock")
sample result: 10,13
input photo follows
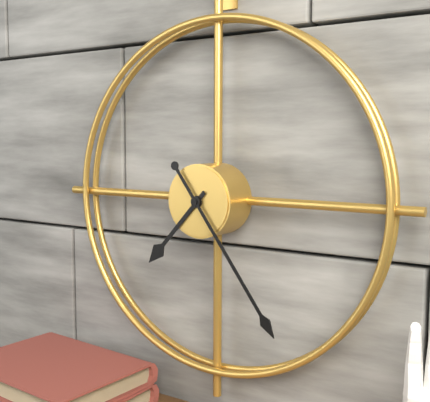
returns 7,24
